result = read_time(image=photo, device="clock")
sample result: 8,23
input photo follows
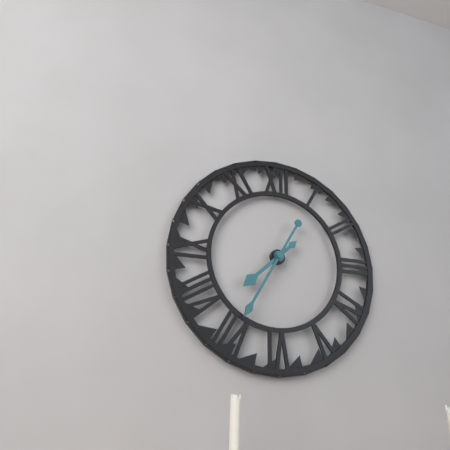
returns 7,35
